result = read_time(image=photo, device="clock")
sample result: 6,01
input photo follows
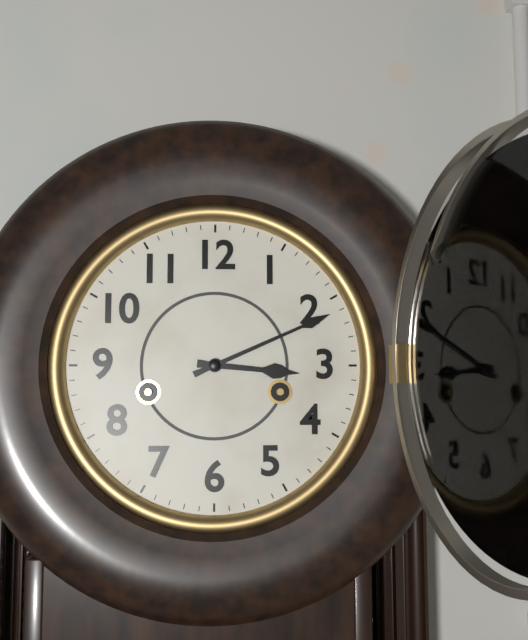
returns 3,11
